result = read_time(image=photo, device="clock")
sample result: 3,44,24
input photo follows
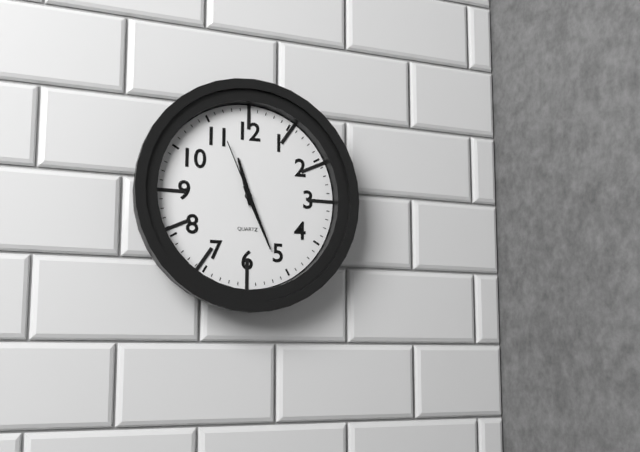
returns 11,26,56
